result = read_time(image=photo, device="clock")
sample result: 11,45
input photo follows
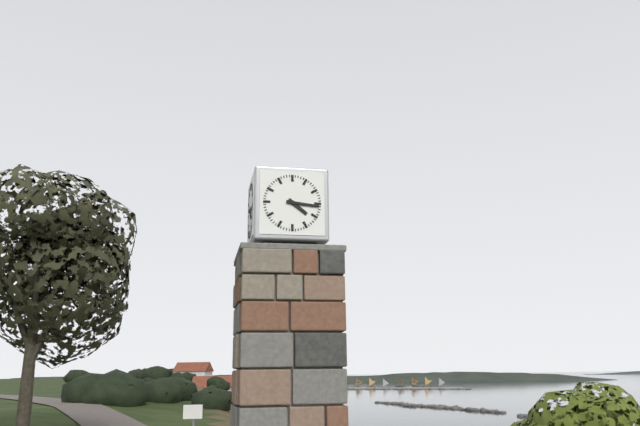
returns 4,16
